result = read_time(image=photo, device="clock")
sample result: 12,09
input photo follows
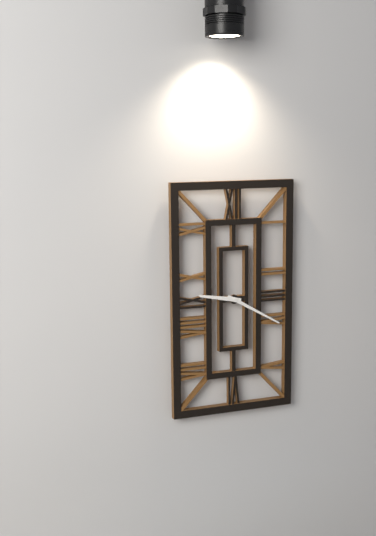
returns 9,20
